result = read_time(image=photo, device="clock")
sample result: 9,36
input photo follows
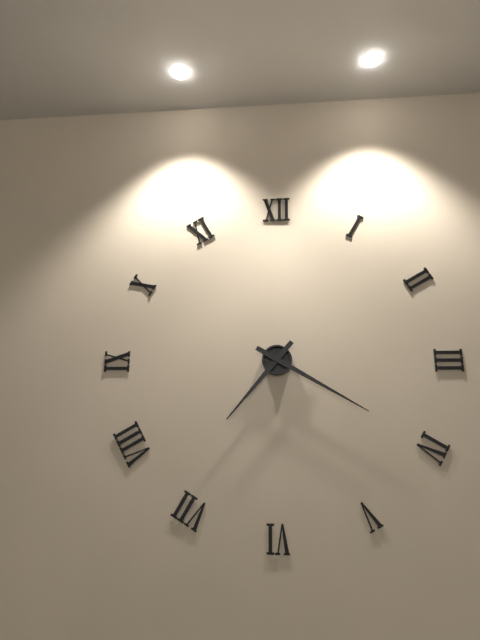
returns 7,20
